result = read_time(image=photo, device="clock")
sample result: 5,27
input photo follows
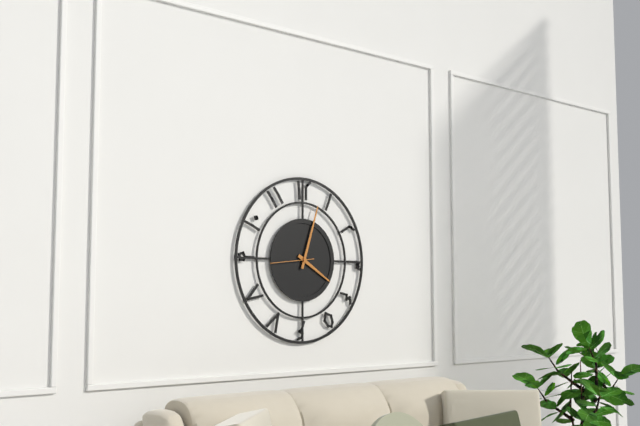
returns 4,03
